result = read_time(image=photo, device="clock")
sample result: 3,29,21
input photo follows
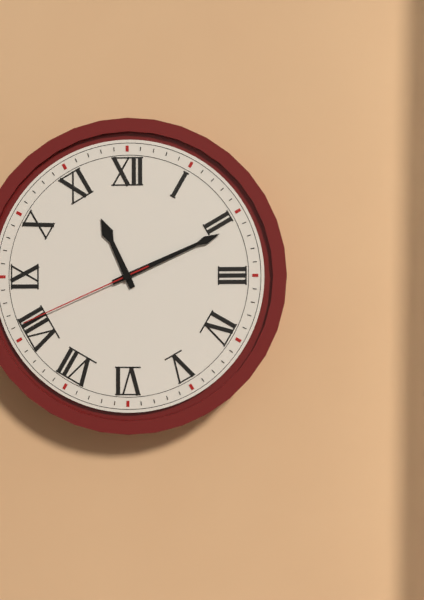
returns 11,11,41
